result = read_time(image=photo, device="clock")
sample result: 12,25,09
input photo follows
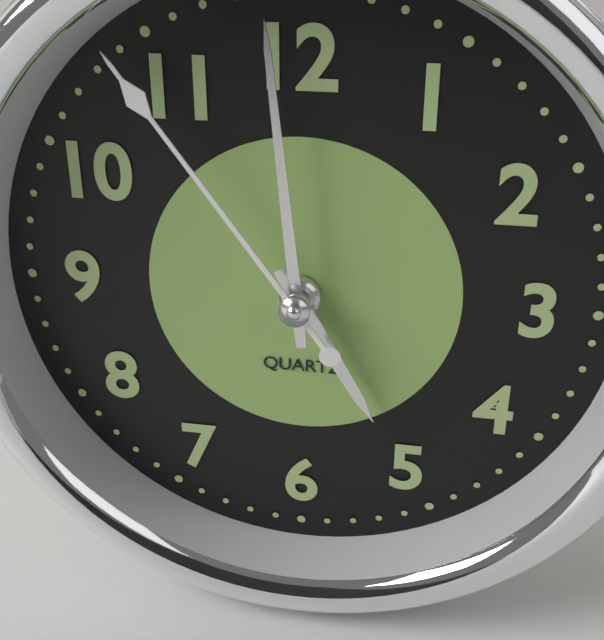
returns 4,59,54
